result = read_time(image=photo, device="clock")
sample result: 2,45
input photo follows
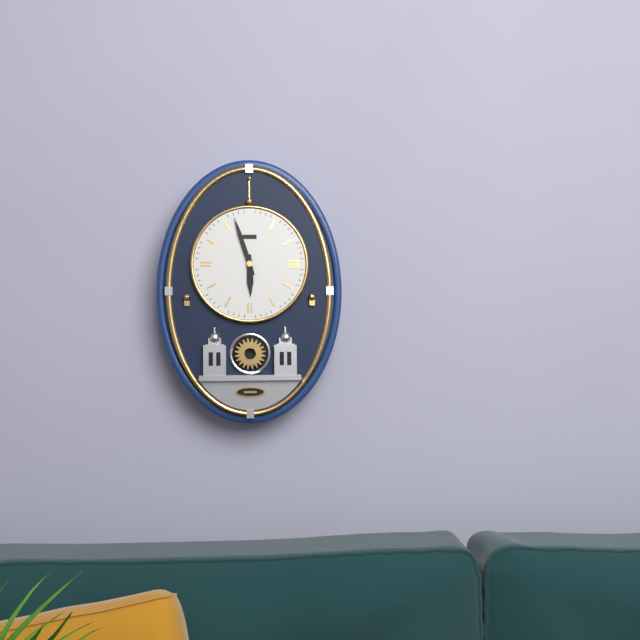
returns 5,57
